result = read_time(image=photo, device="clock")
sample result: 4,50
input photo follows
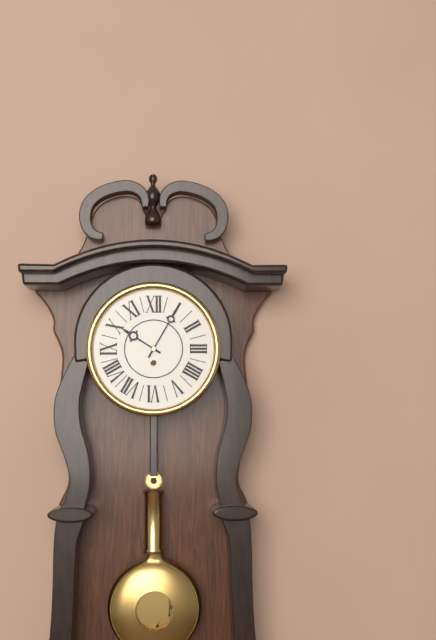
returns 10,05
